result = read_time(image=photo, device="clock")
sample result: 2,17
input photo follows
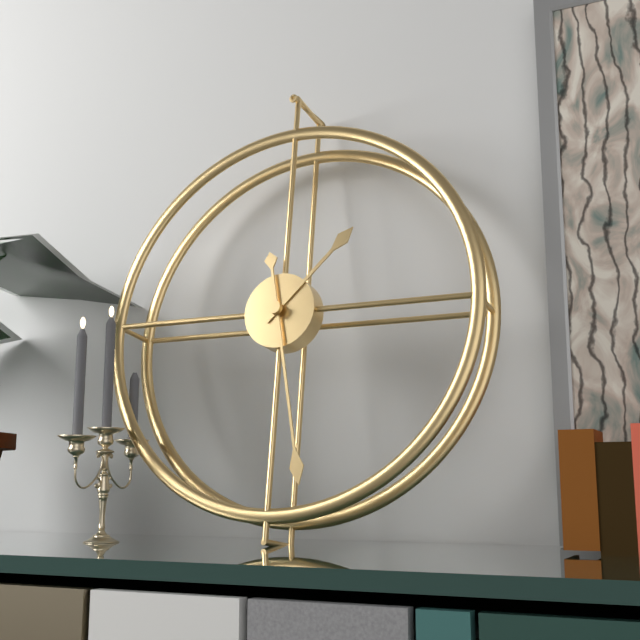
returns 1,28
